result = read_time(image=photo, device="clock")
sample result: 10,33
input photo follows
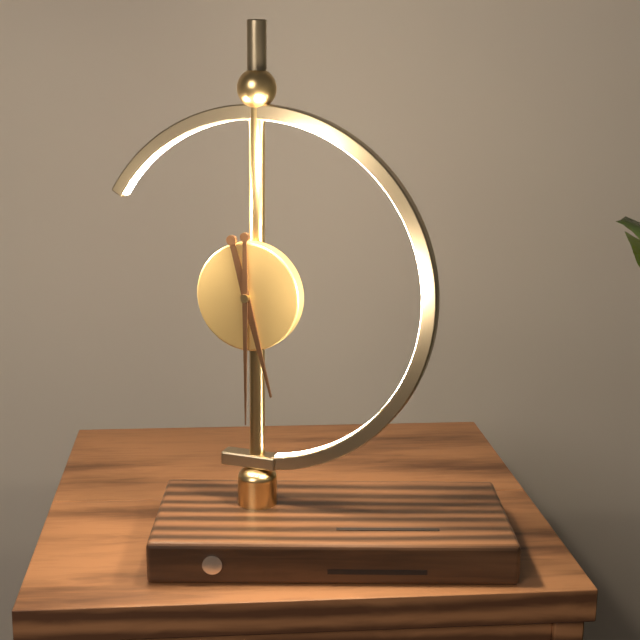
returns 5,30
